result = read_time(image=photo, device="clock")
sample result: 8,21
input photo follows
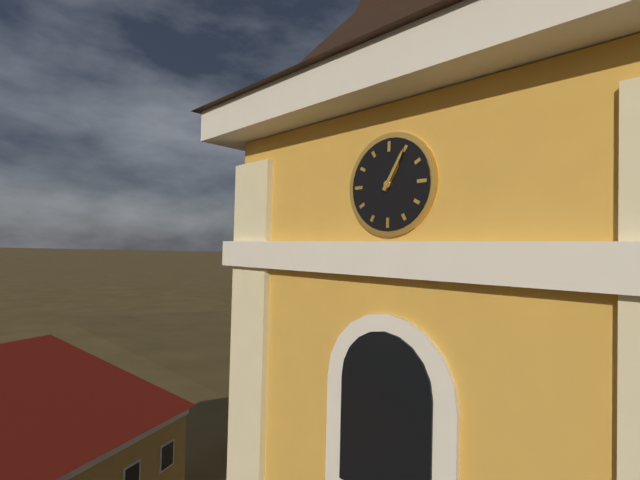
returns 1,05
